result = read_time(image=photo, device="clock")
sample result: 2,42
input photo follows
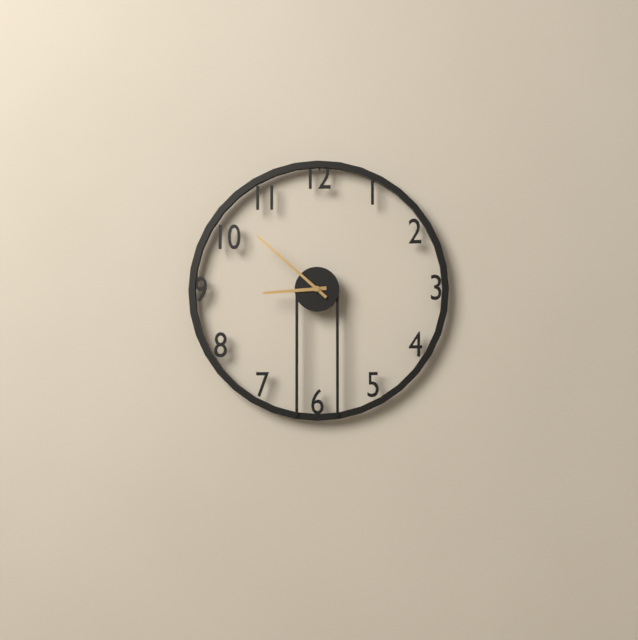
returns 8,52
